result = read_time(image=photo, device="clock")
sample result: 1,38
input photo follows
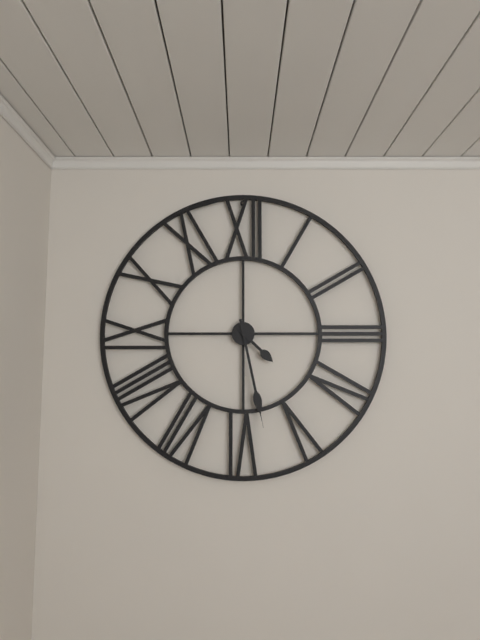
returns 4,28
